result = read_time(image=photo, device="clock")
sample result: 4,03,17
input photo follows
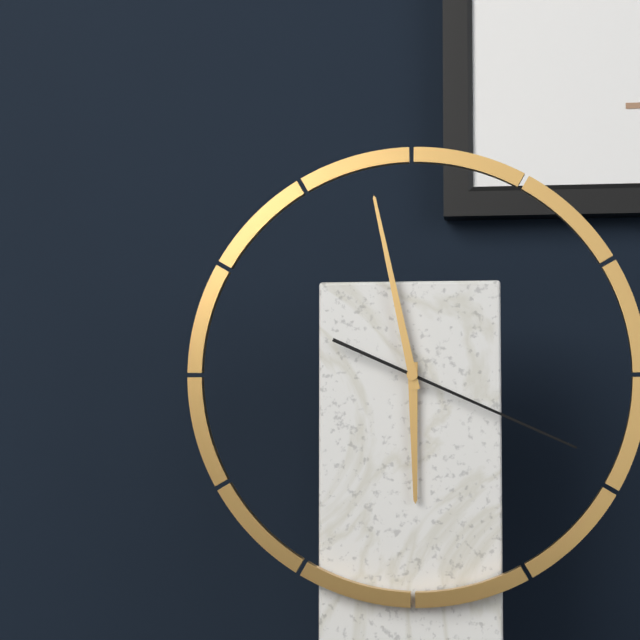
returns 5,58,19
